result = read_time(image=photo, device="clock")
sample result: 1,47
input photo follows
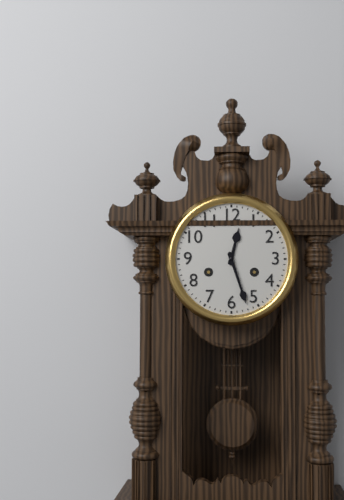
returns 12,27
